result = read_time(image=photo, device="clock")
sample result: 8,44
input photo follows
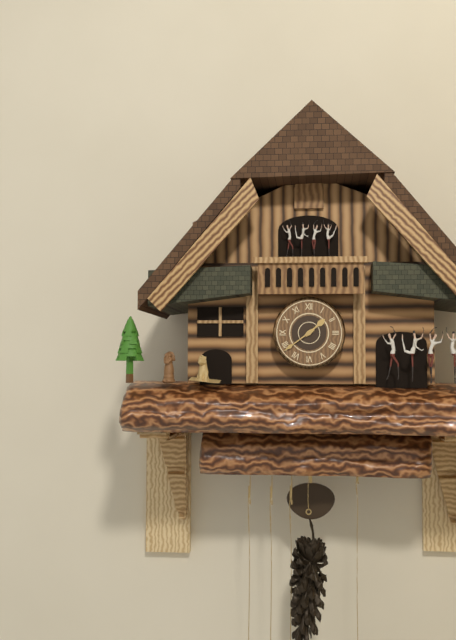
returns 1,39
